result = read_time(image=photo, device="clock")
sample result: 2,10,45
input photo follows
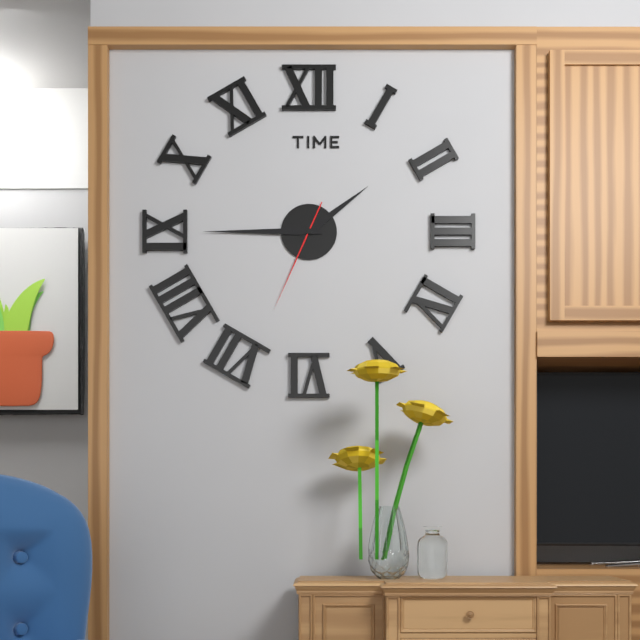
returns 1,45,34
